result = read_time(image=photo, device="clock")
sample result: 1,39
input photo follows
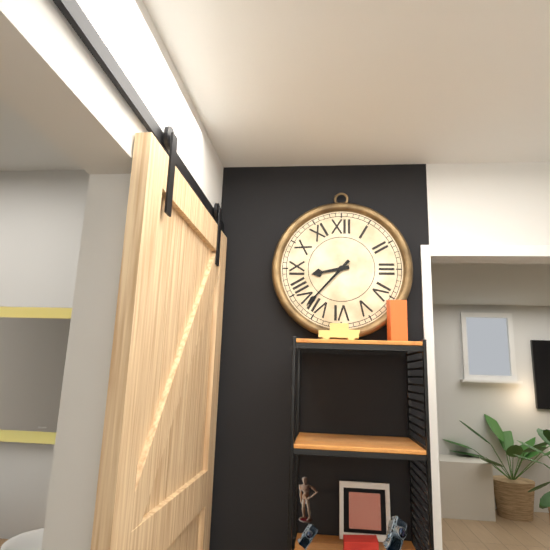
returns 8,37
